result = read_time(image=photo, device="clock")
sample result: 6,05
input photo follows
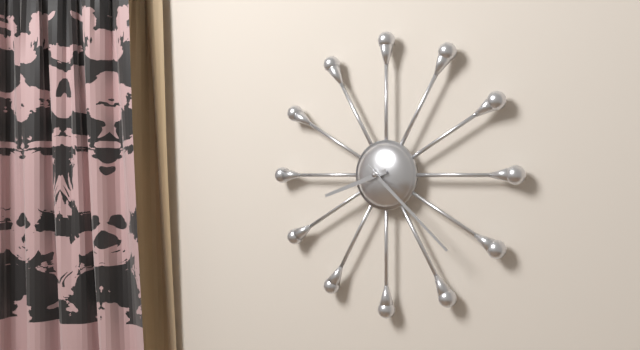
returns 8,22
